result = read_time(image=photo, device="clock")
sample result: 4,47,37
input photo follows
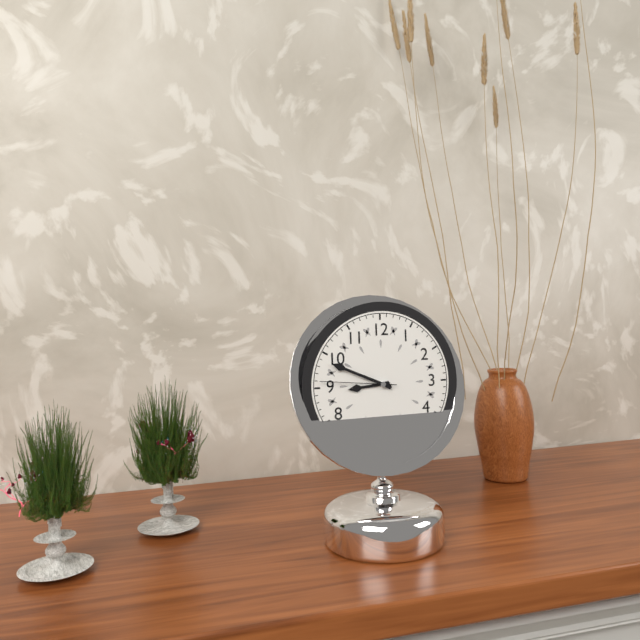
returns 8,49,46
